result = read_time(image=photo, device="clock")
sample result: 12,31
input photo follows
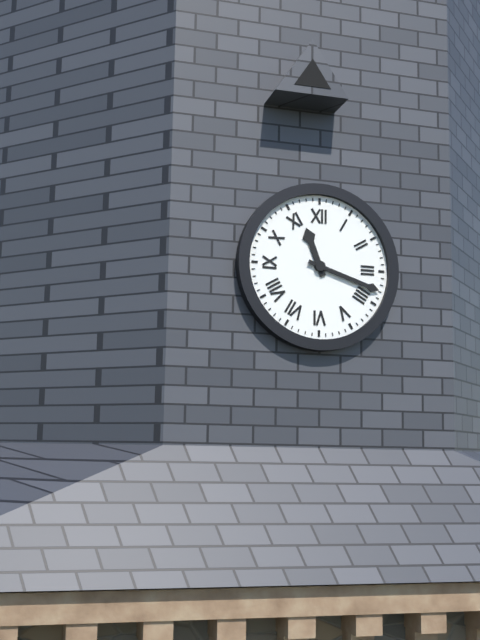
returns 11,18
